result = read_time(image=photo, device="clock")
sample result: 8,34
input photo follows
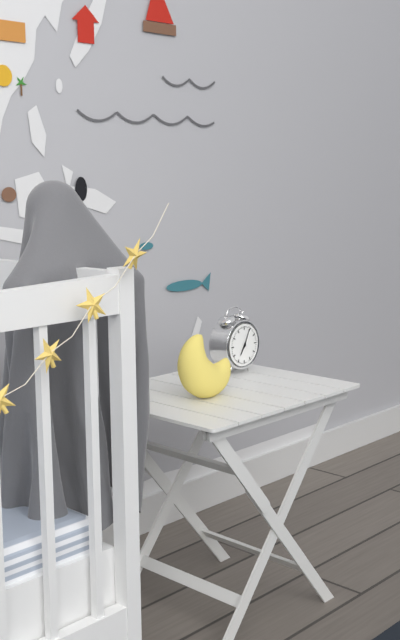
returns 7,04
